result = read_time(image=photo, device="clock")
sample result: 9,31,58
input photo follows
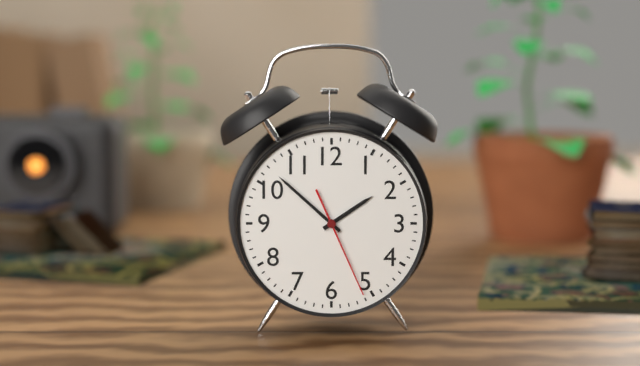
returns 1,52,26
